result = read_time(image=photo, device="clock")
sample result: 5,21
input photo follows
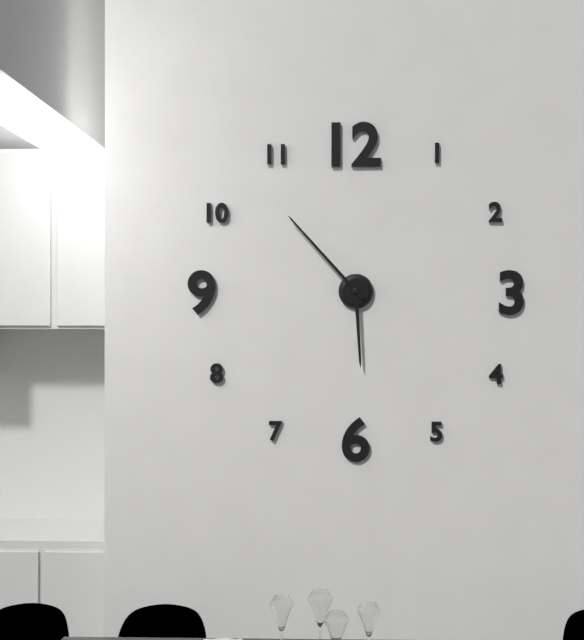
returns 5,53
